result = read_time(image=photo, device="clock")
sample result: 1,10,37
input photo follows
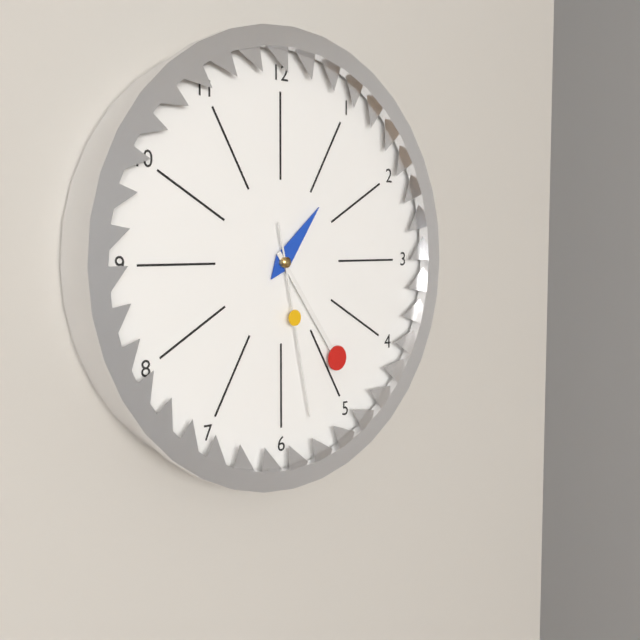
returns 1,24,28
